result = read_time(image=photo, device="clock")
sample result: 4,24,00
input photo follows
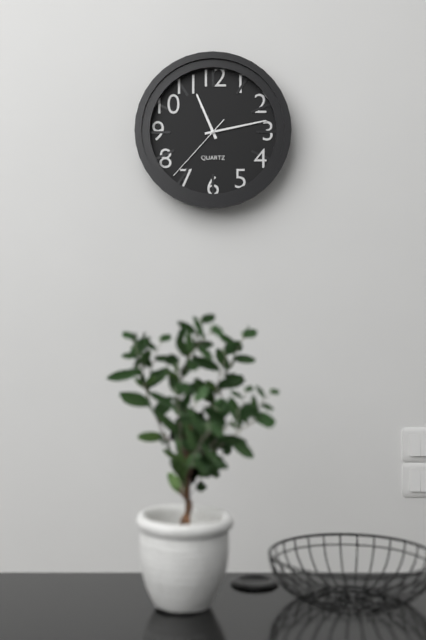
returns 11,13,37
